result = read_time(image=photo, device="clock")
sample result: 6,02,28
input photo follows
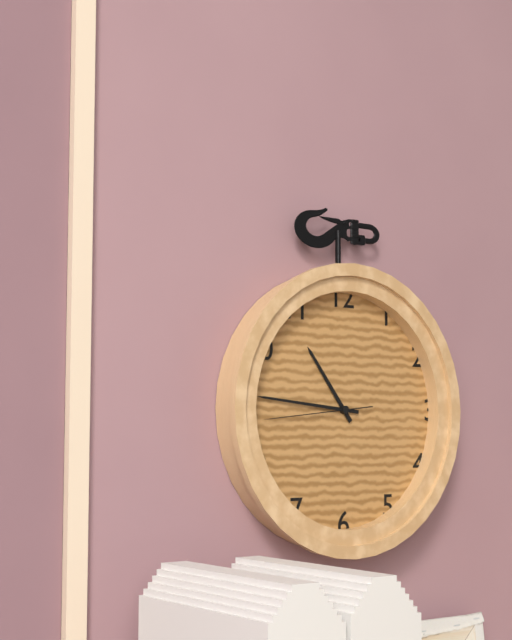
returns 10,46,44
